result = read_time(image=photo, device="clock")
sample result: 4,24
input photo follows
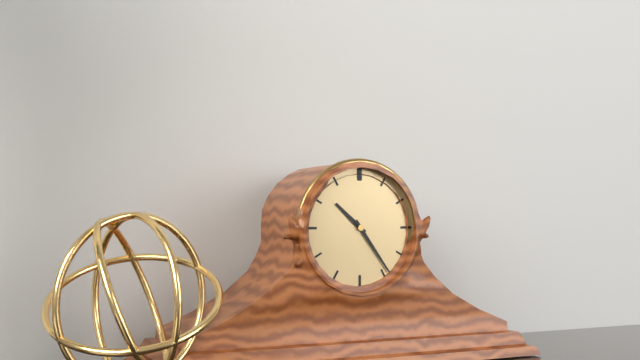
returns 10,24
